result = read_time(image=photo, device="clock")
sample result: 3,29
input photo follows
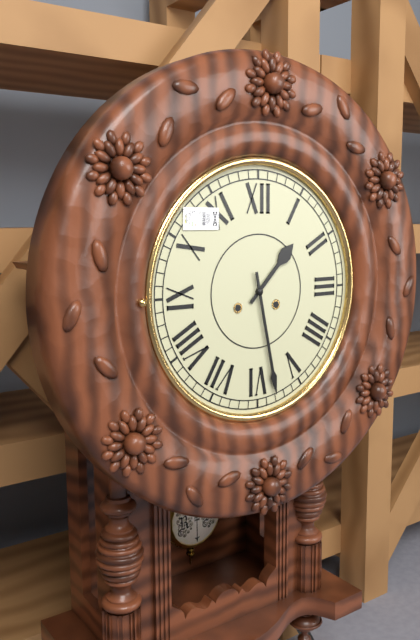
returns 1,28
